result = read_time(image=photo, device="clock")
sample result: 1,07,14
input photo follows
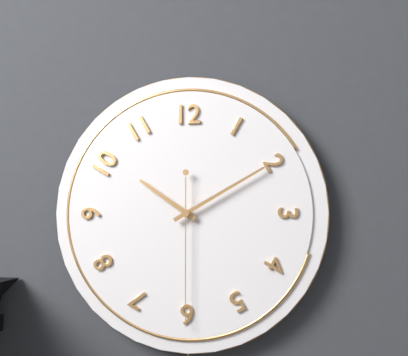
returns 10,10,30
